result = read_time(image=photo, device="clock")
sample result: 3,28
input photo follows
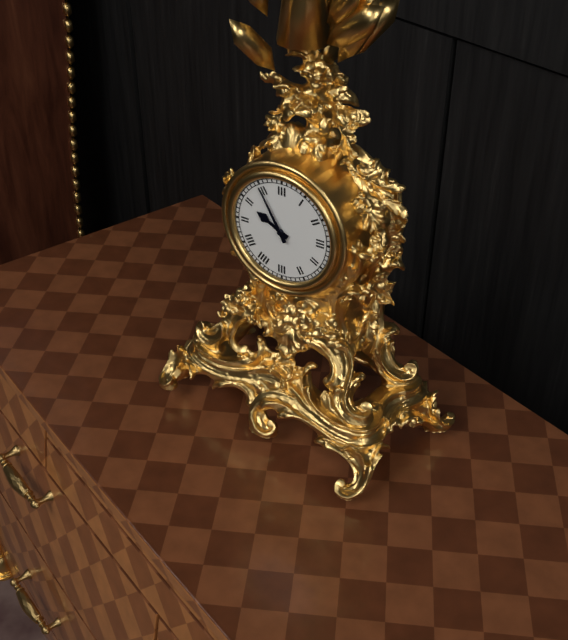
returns 9,55
